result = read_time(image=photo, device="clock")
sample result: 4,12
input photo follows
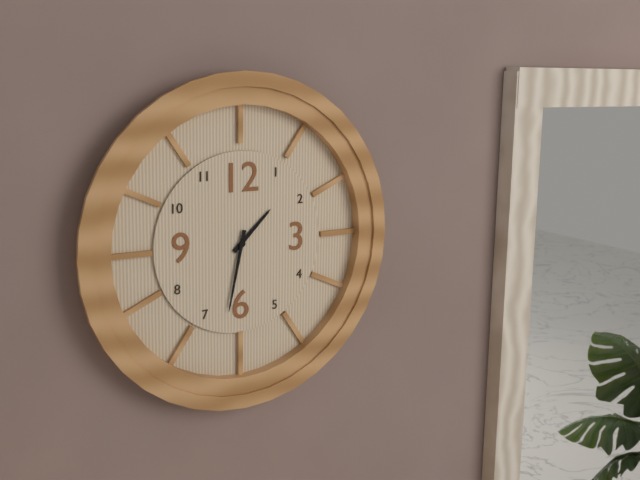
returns 1,32
